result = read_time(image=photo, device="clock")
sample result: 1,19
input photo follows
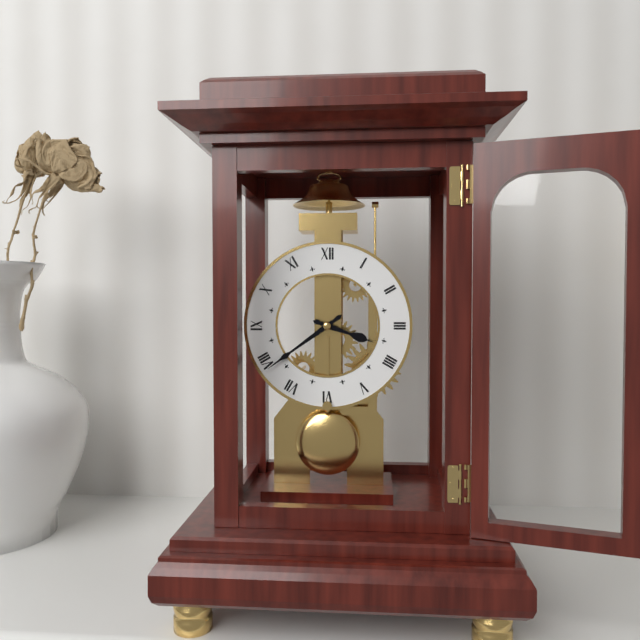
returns 3,39
